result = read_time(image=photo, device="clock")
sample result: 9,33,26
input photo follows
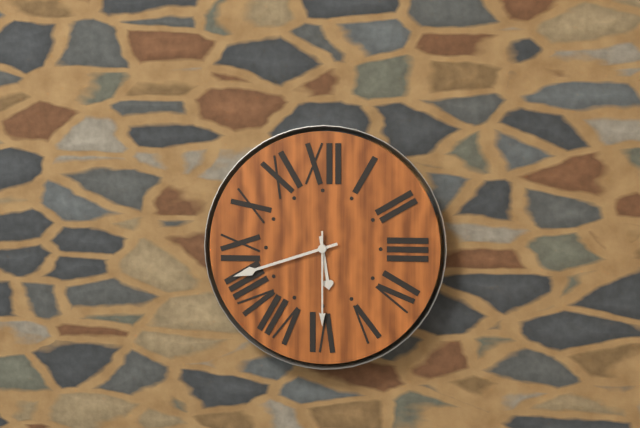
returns 5,42,30
